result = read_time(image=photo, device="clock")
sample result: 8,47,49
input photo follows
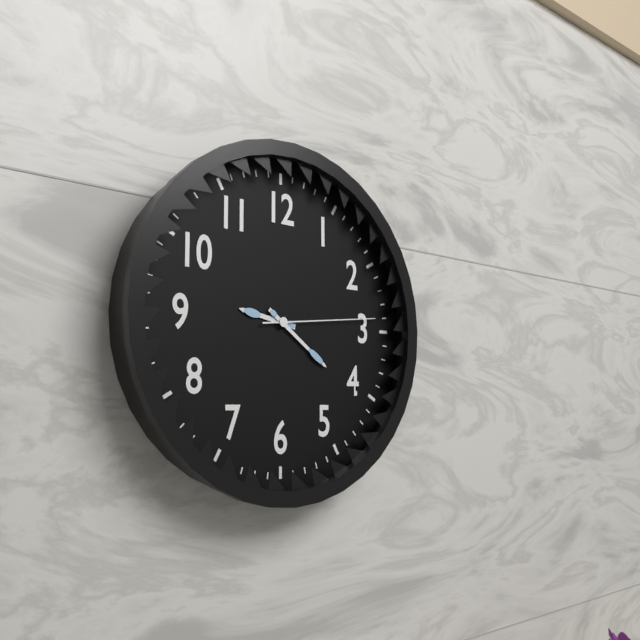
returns 9,21,14
